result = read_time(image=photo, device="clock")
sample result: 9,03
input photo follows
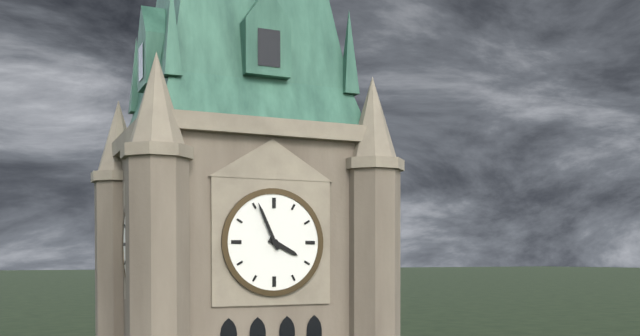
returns 3,56
